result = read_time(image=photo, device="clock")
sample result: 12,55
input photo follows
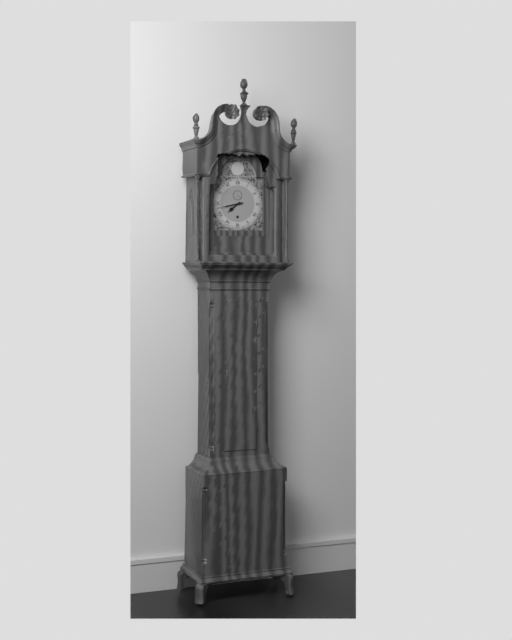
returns 7,43
